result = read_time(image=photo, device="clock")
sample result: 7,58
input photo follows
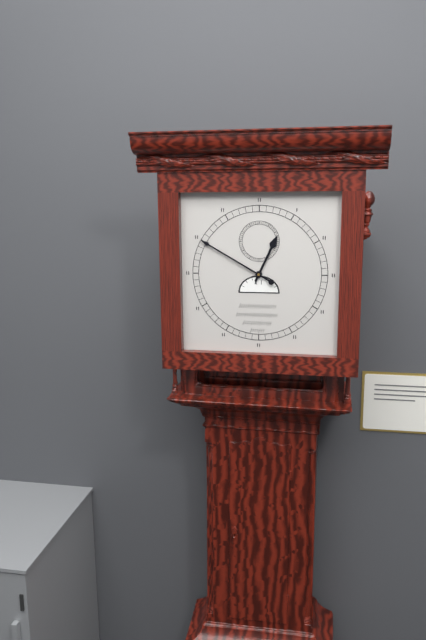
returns 12,50
